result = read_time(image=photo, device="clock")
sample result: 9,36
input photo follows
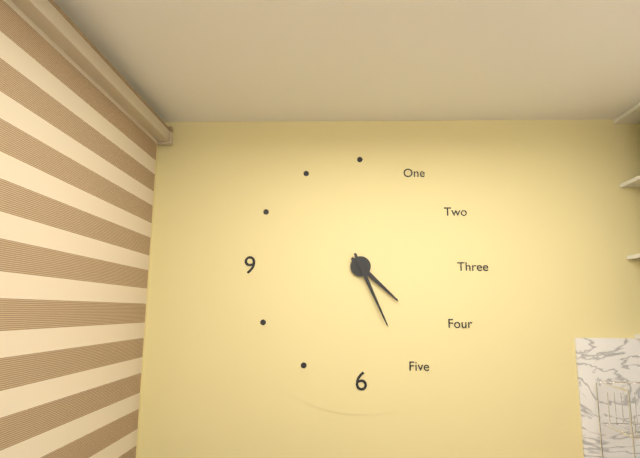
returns 4,26
